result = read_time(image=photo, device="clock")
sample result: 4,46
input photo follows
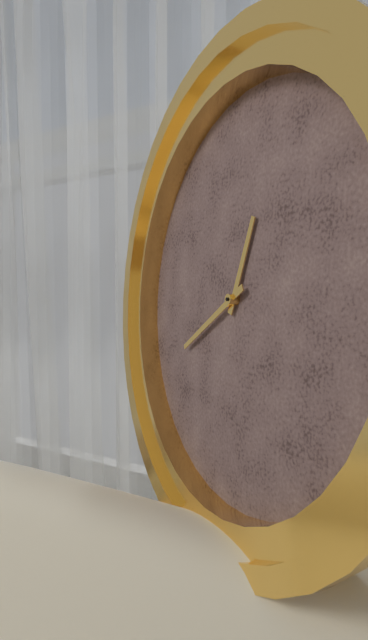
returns 12,40
